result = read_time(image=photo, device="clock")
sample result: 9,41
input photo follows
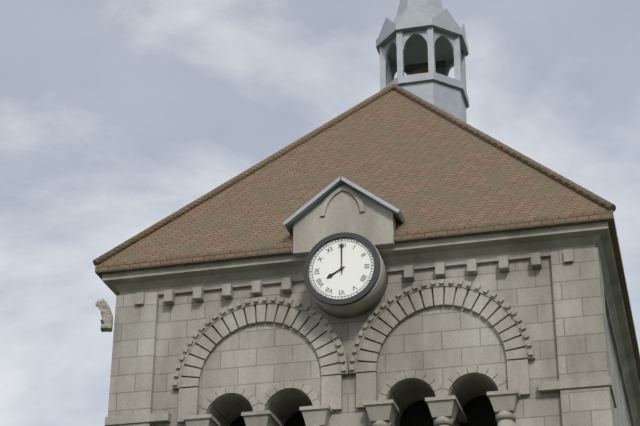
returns 8,00
